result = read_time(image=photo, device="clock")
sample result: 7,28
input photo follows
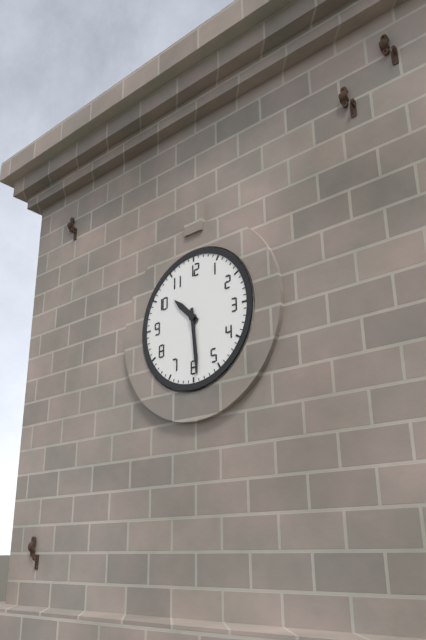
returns 10,29
